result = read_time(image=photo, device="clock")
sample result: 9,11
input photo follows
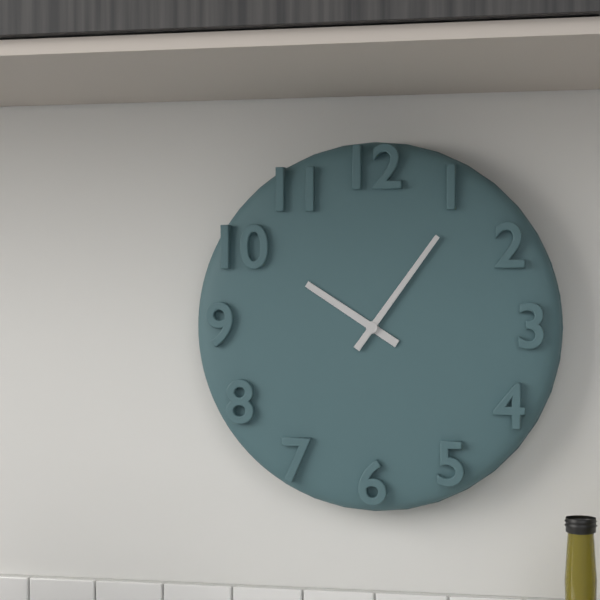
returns 10,06
